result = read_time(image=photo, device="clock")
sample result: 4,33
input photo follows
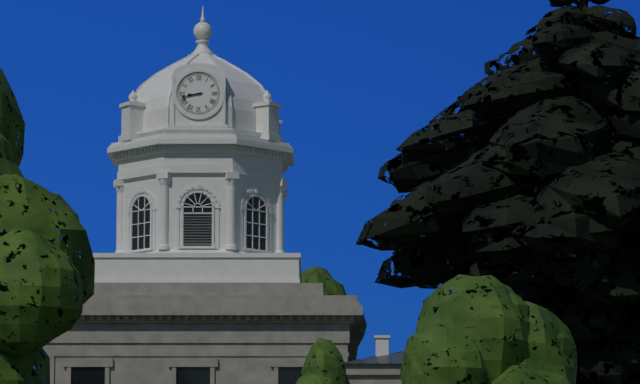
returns 8,43
